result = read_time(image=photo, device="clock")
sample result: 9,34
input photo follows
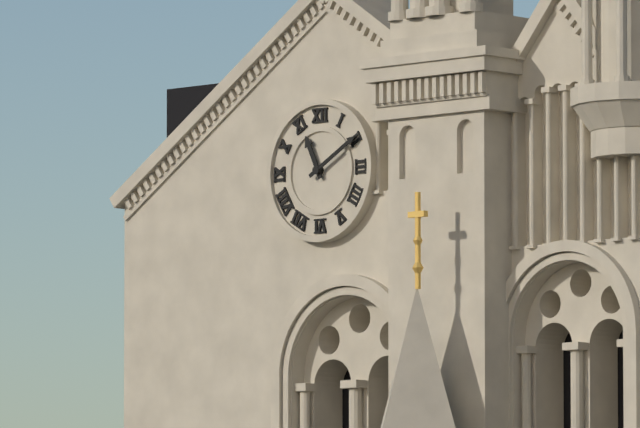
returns 11,10
